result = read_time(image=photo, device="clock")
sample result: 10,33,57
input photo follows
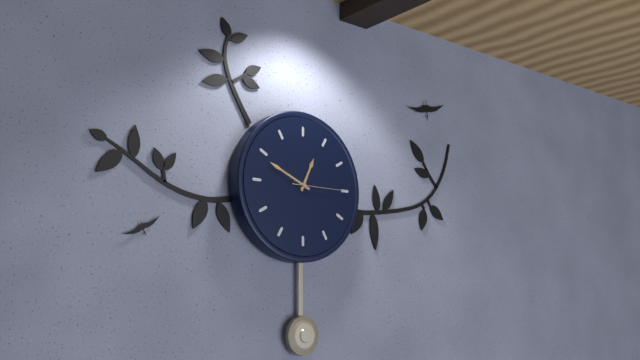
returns 12,49,15
